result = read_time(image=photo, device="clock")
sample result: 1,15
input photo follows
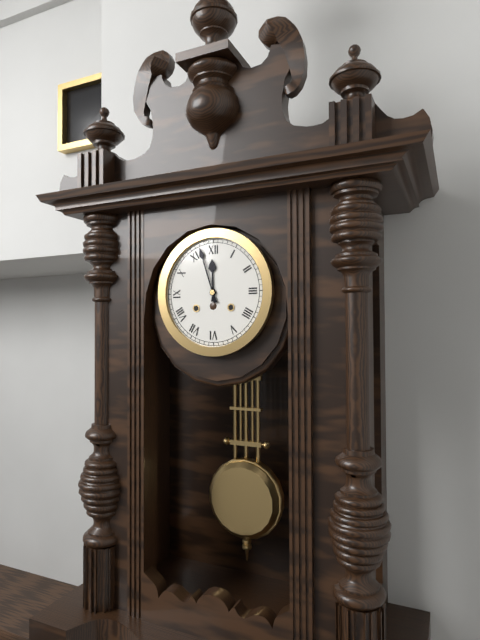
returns 11,57
